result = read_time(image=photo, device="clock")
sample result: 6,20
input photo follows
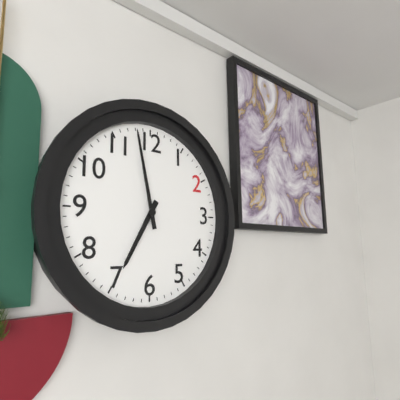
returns 6,58
